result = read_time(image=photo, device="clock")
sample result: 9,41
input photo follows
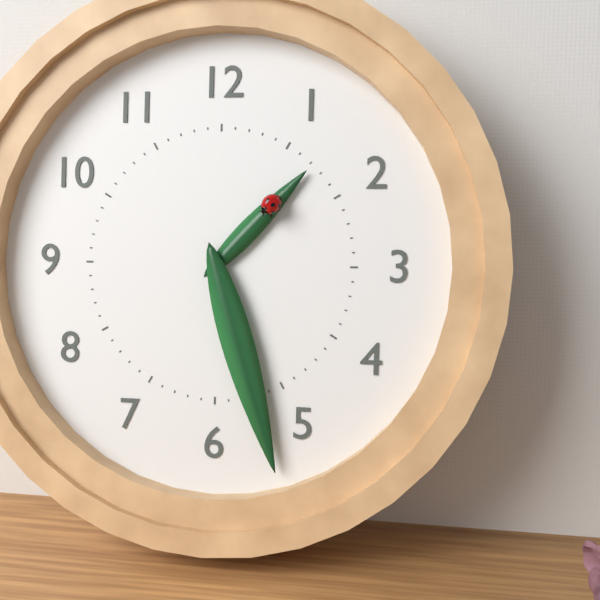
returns 1,27
